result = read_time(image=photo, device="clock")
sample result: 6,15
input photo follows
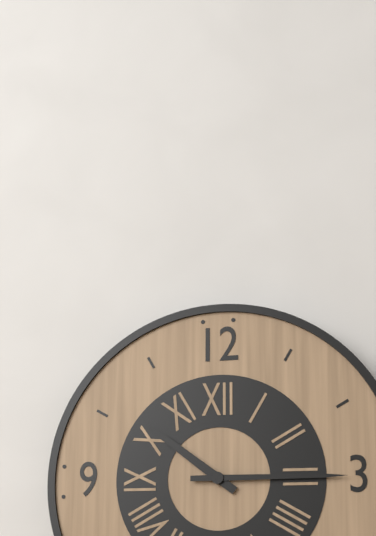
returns 10,15
